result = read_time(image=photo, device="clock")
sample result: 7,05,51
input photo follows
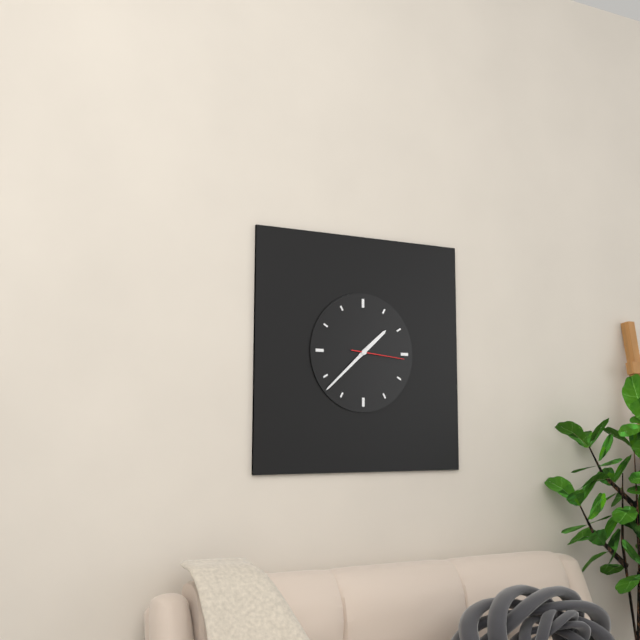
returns 1,38,16
